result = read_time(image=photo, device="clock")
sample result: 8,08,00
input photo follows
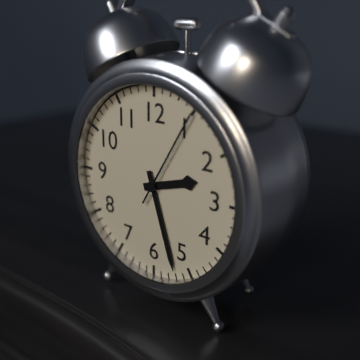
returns 2,27,05
